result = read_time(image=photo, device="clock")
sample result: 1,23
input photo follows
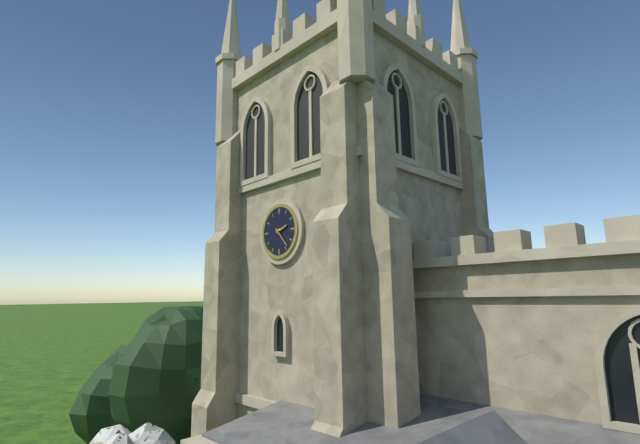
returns 2,23
